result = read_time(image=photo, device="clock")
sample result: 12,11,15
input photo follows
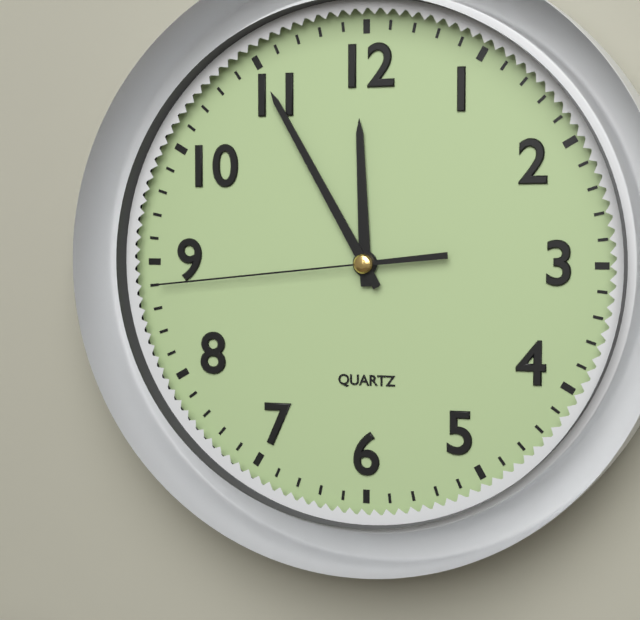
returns 11,55,44
